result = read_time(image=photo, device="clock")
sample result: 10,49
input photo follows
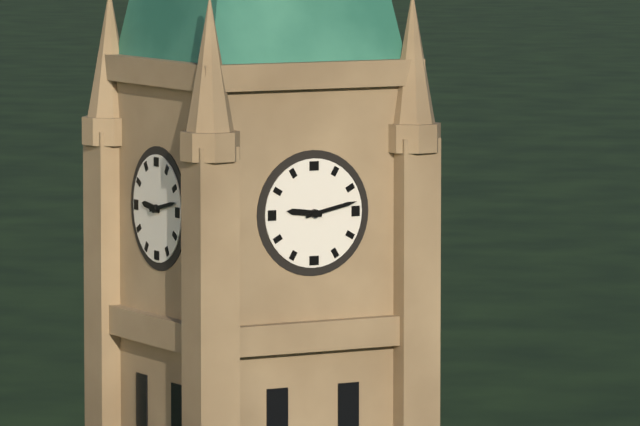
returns 9,13
